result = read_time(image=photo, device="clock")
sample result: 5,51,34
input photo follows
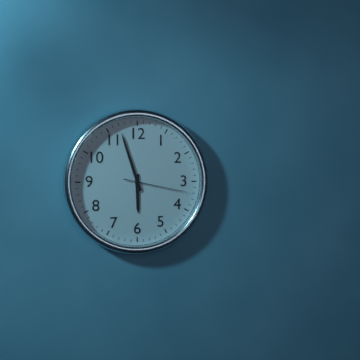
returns 5,57,17
